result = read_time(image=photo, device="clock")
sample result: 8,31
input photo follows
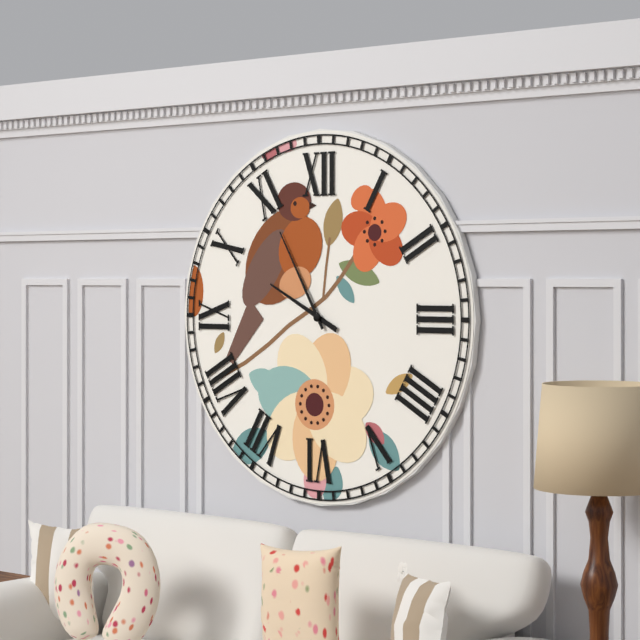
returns 9,55
